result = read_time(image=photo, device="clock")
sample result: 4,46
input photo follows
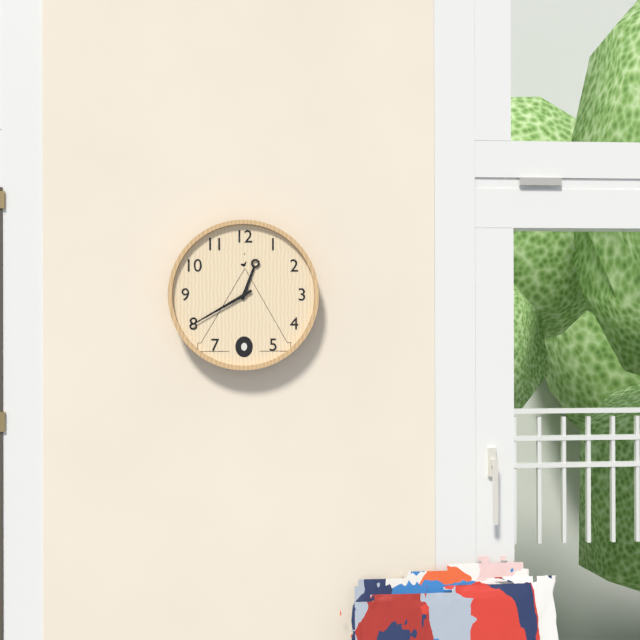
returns 12,40
